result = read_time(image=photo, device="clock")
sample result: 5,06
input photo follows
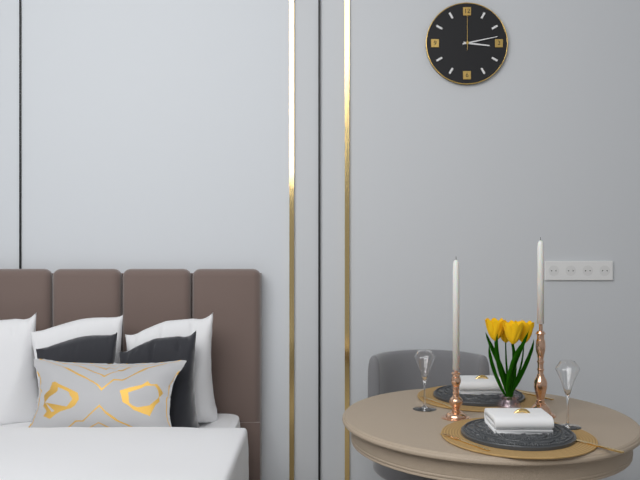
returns 3,13
